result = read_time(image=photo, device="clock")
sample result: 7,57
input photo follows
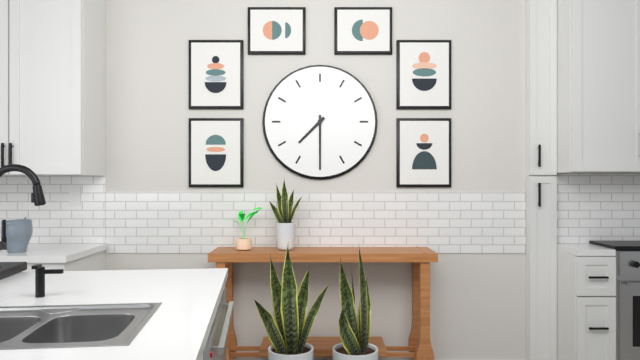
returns 7,30
